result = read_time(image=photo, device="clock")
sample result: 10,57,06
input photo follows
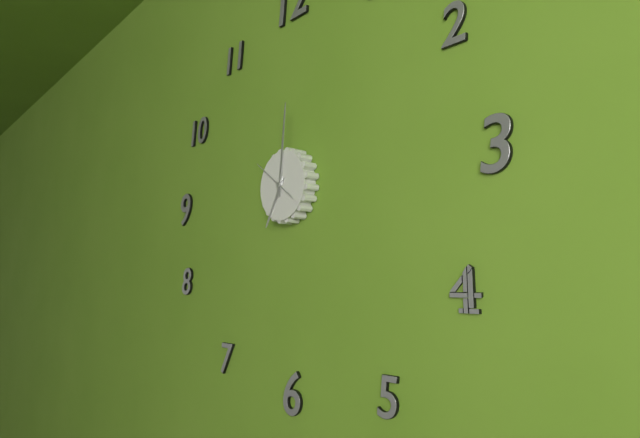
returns 7,01,51
